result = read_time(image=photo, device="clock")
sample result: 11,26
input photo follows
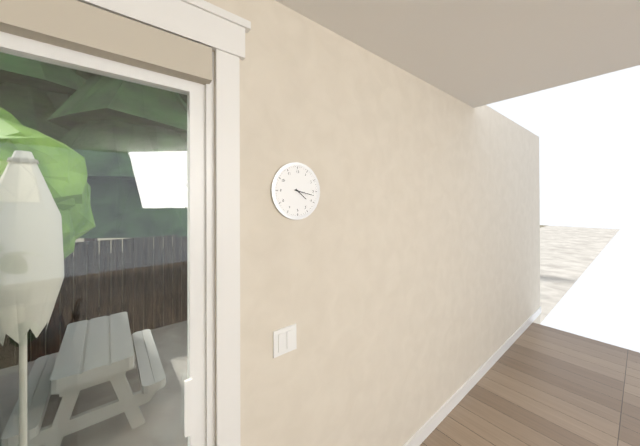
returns 4,17
